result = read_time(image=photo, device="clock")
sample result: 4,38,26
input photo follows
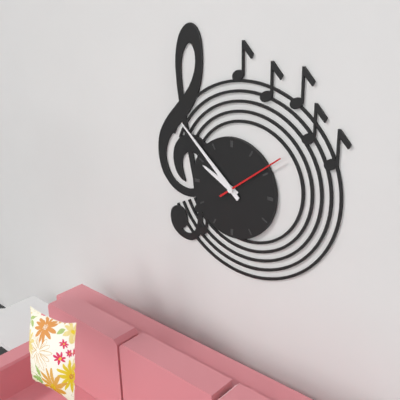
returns 9,52,09
